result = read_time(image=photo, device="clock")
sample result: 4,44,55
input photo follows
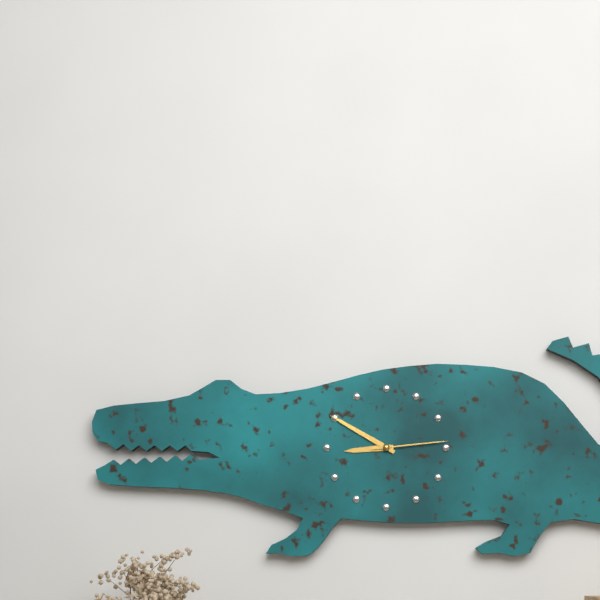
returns 8,50,14
